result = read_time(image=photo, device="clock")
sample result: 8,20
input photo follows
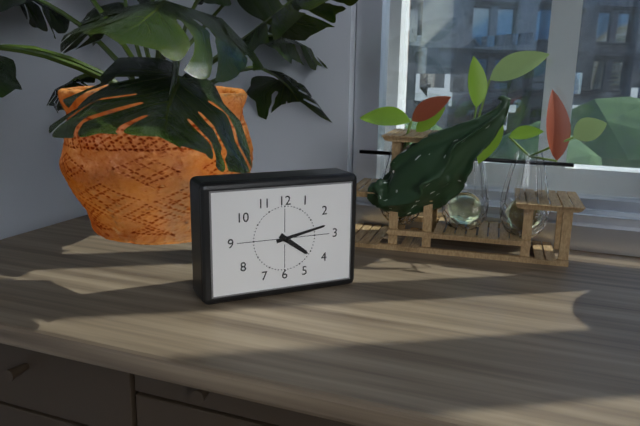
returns 4,13
